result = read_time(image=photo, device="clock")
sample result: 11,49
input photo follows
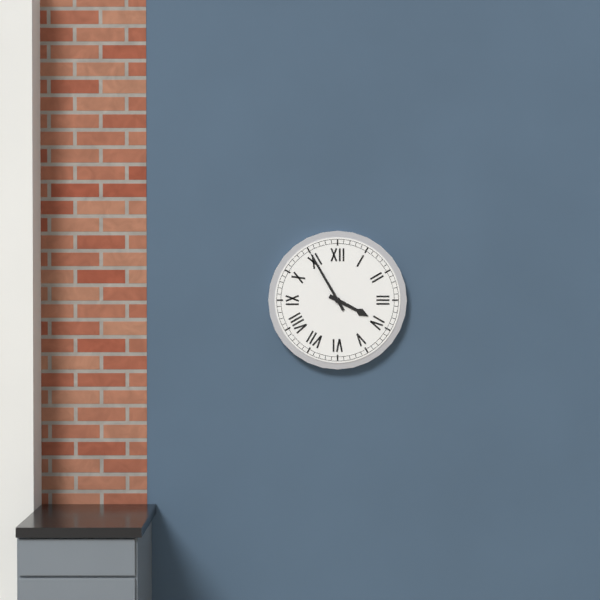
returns 3,55
